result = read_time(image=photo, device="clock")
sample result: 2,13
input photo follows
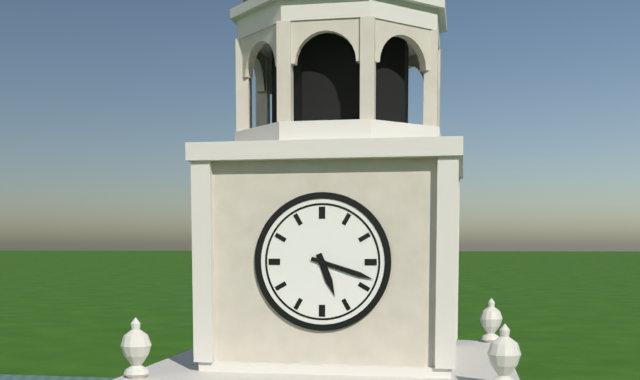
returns 5,18
